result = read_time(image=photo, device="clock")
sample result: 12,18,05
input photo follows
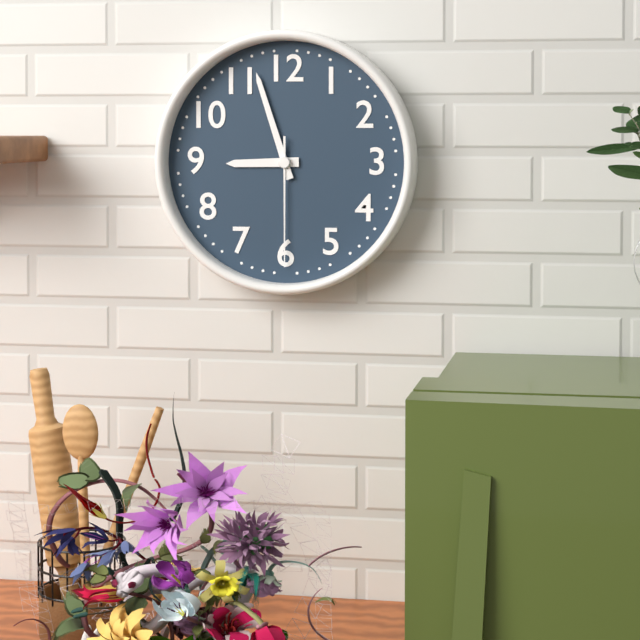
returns 8,57,30
